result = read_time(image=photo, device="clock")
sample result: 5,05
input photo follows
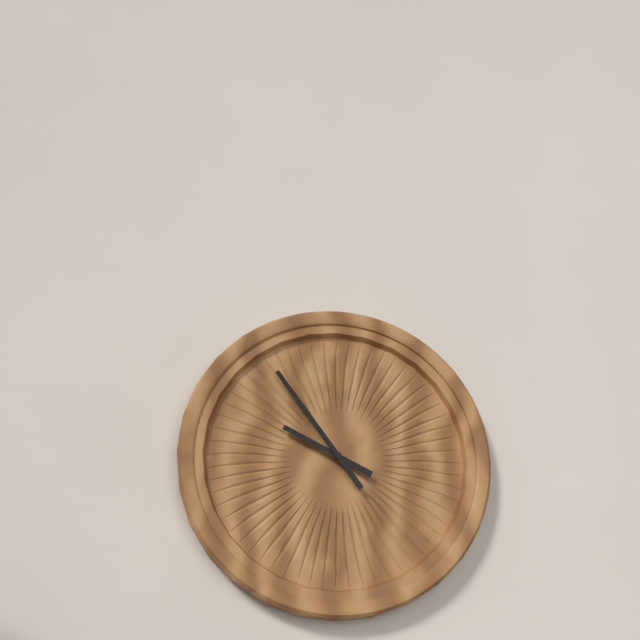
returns 9,54
